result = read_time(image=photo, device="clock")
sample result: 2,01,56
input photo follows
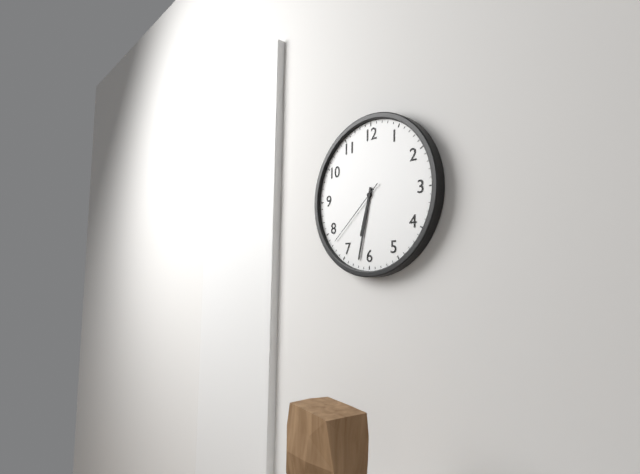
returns 6,32,38
